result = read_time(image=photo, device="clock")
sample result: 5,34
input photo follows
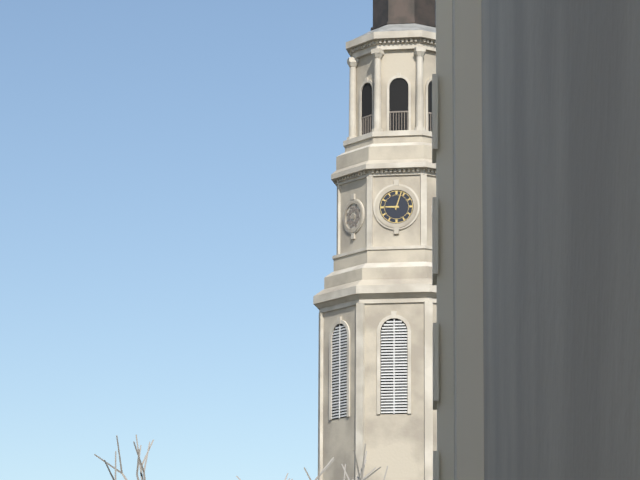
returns 9,03
